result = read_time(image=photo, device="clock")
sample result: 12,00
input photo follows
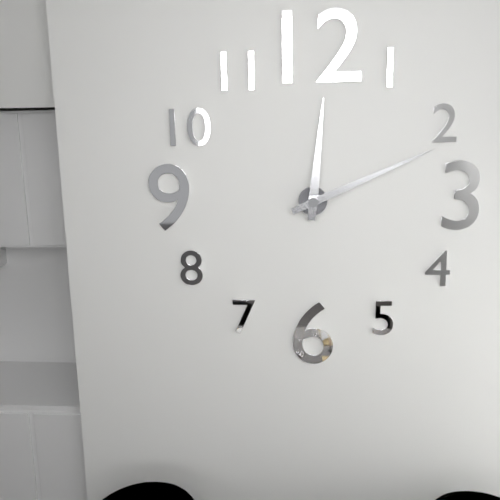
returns 12,11
